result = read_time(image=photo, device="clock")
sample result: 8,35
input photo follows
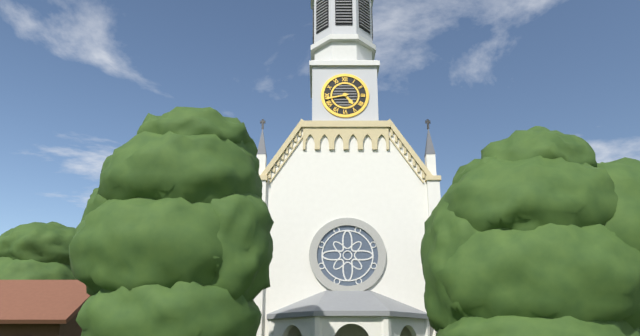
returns 4,43
